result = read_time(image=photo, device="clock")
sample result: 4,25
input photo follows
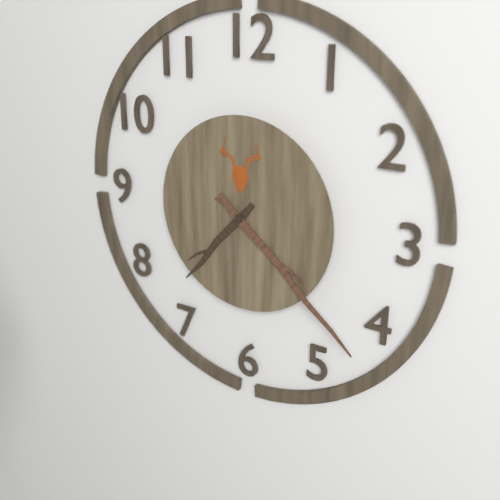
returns 7,22
